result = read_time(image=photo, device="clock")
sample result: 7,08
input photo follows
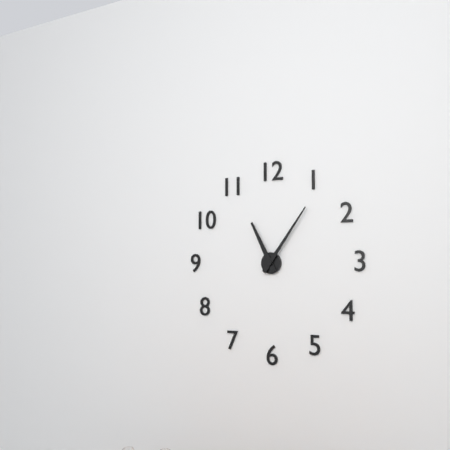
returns 11,06
